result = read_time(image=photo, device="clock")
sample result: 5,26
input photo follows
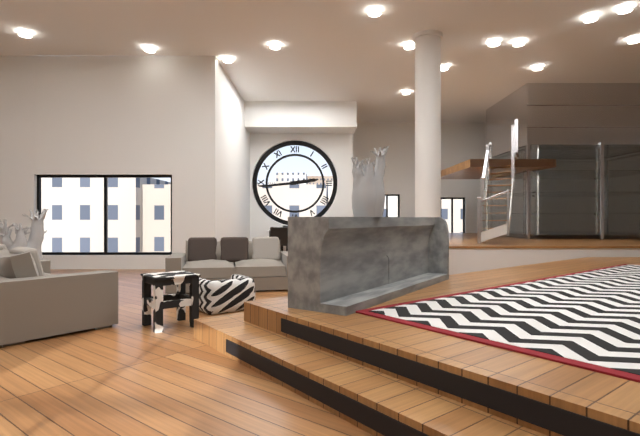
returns 2,44
